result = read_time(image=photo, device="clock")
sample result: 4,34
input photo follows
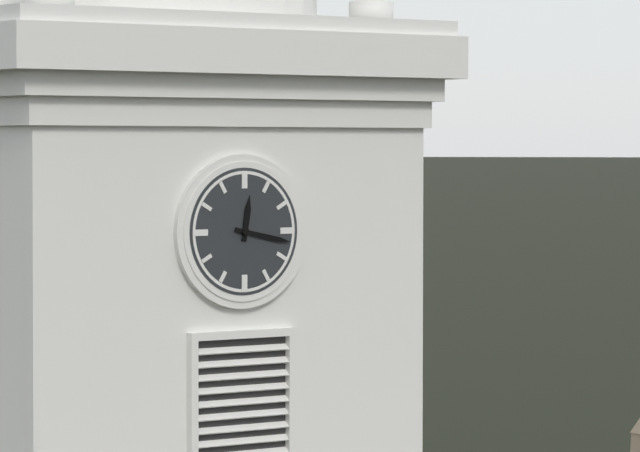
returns 12,17
